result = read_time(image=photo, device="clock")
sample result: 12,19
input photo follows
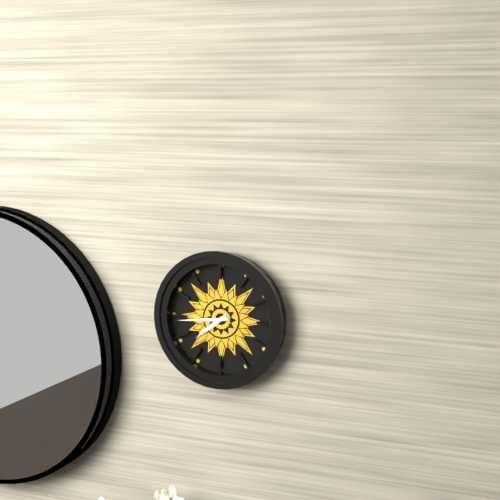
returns 7,44
